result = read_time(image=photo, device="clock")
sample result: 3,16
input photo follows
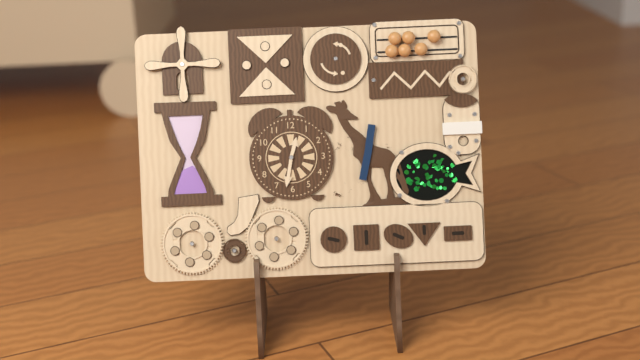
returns 12,32
